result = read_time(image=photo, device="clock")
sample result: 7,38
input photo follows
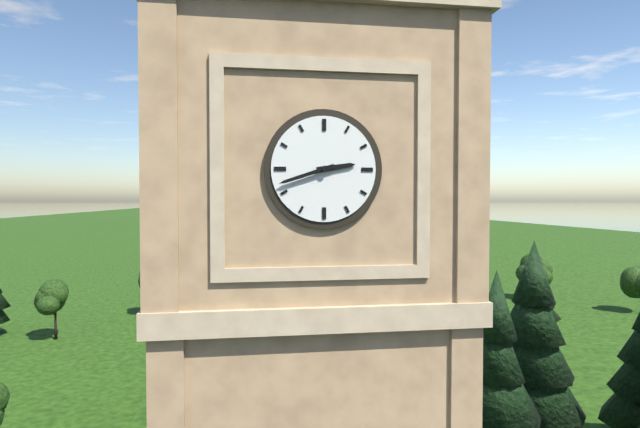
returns 2,42
